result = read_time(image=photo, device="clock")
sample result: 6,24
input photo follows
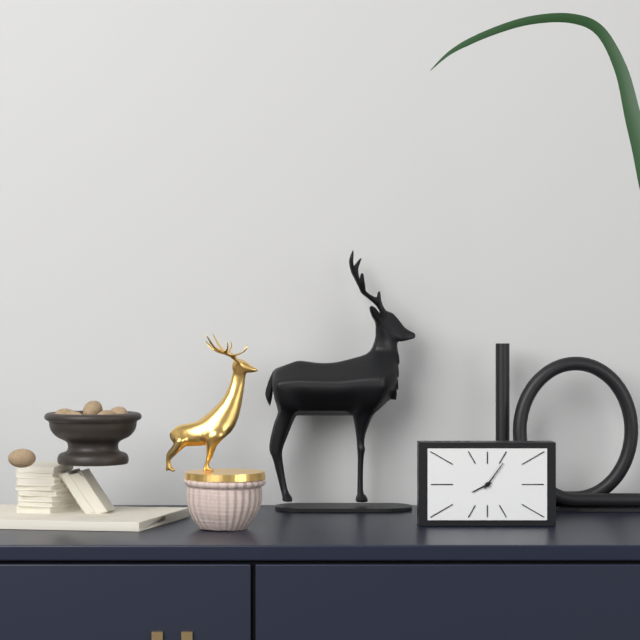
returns 8,06
